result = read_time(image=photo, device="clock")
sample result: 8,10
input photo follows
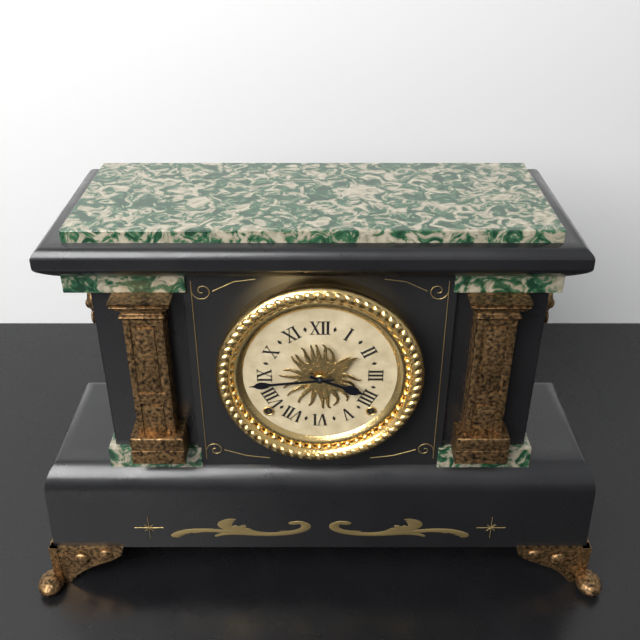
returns 3,44
